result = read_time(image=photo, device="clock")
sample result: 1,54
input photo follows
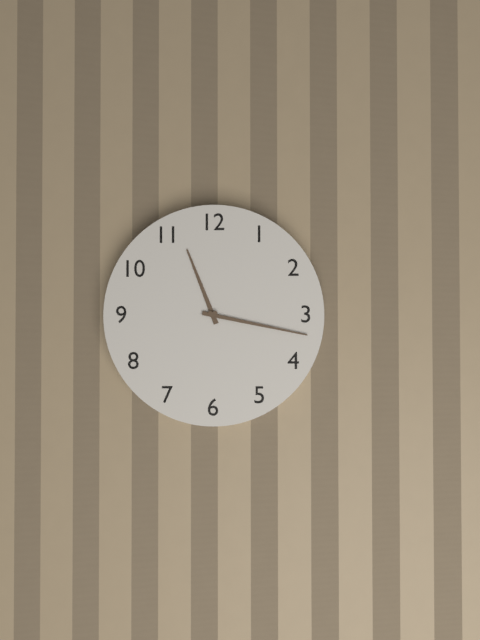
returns 11,17
